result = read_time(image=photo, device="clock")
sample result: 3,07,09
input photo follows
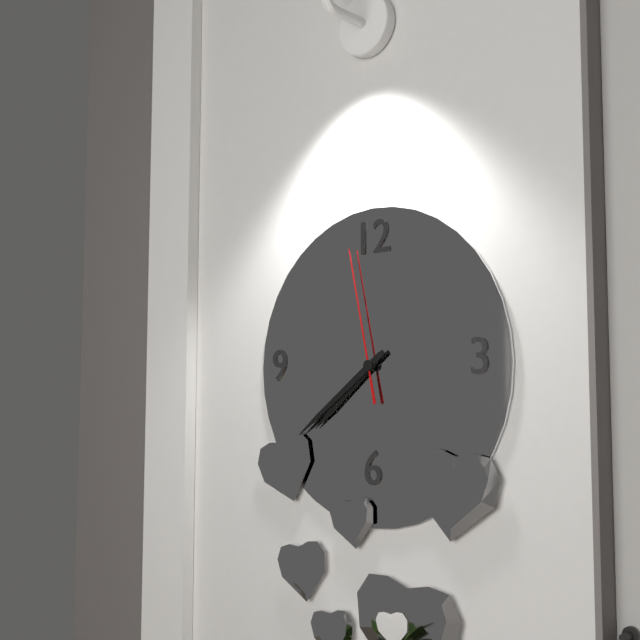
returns 7,39,58
